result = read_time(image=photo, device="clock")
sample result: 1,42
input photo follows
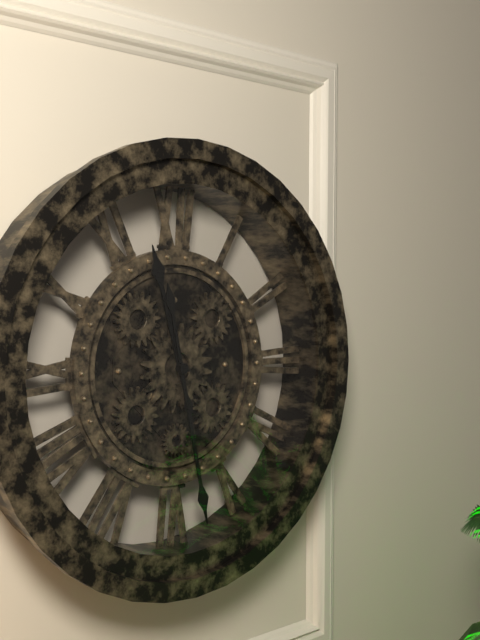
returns 11,28
